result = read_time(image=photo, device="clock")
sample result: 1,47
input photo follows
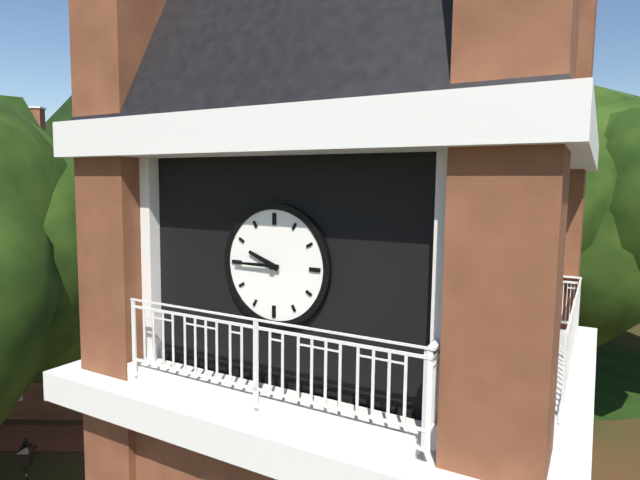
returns 9,45
